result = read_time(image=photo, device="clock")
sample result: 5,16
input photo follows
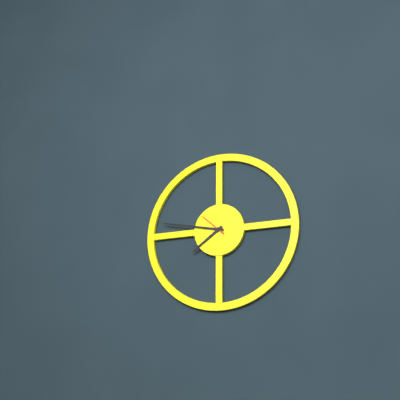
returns 7,47
